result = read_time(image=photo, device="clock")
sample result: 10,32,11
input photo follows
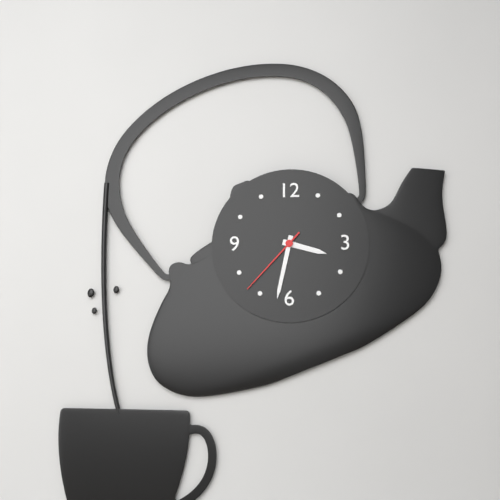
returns 3,32,37
